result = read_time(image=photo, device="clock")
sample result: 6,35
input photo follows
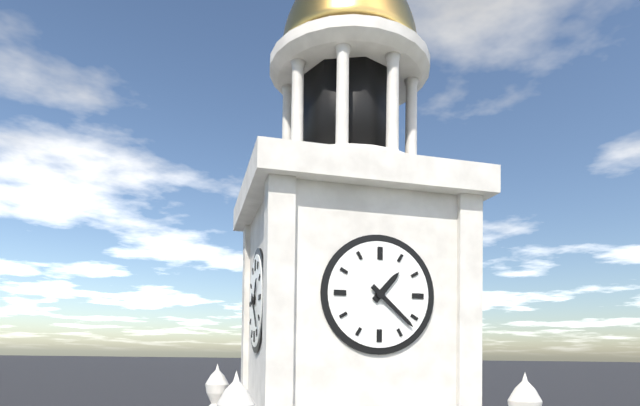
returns 1,22
